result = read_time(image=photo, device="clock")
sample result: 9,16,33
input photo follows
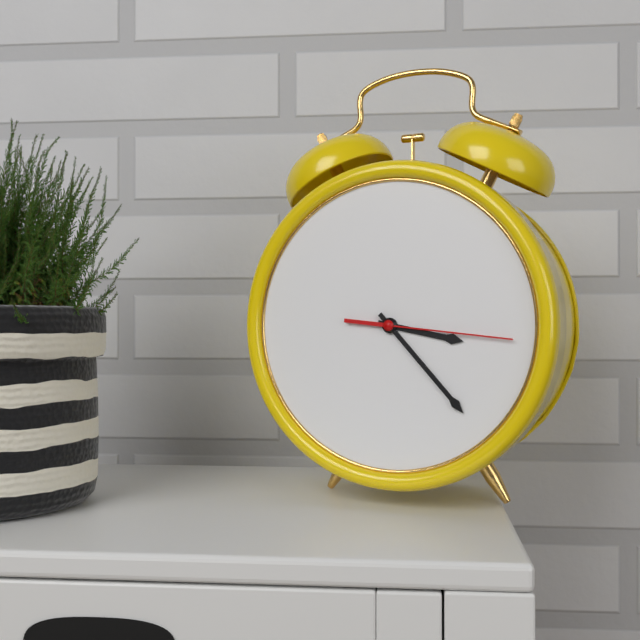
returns 3,23,16
